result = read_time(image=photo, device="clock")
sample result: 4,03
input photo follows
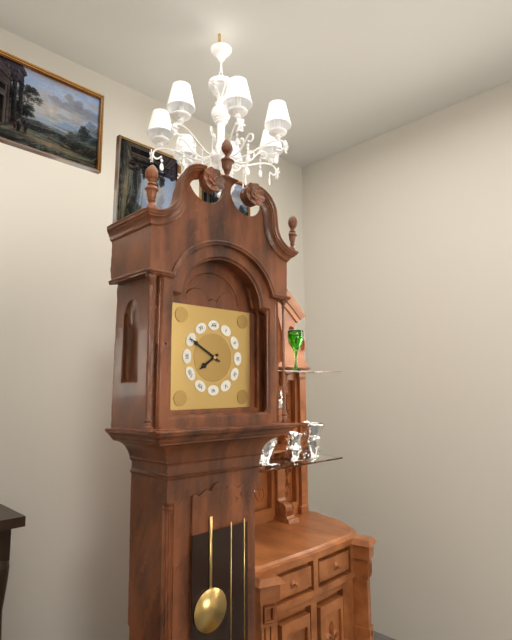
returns 7,50
